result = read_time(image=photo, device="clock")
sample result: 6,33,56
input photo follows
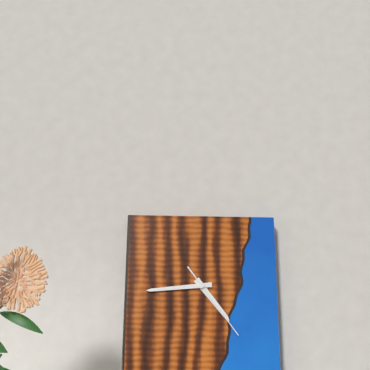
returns 4,44,24
